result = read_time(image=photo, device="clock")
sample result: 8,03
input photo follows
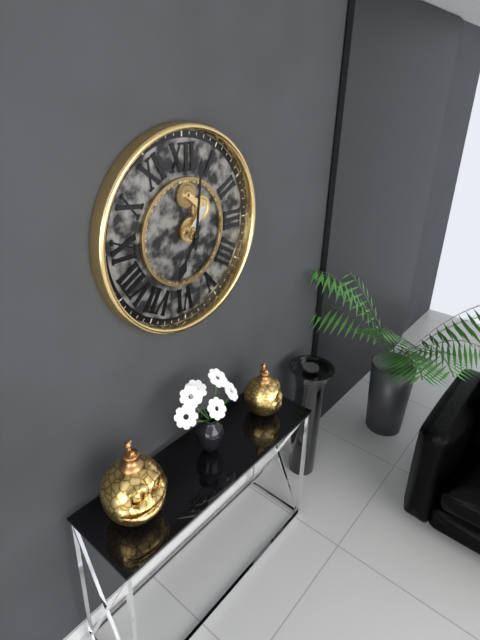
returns 7,01
